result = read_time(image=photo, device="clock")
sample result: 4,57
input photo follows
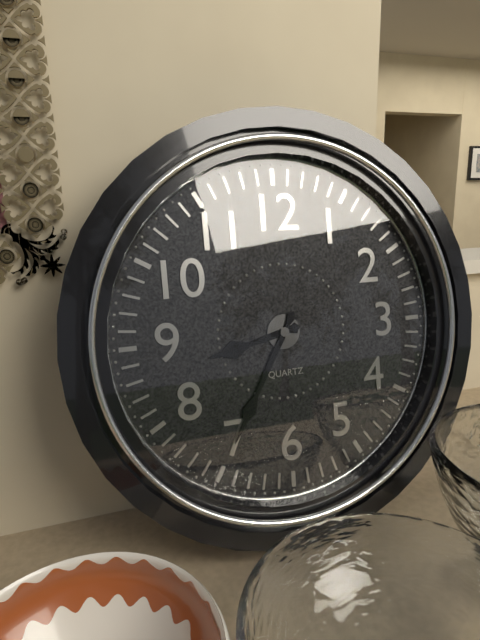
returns 8,35
